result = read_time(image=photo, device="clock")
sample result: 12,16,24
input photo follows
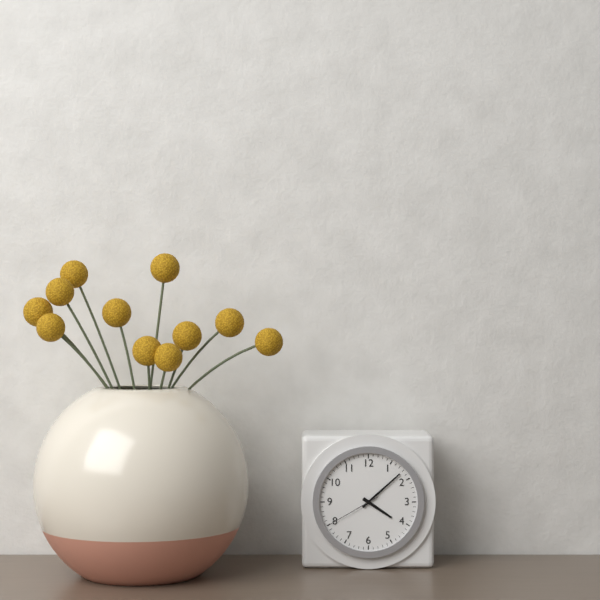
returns 4,08,40
